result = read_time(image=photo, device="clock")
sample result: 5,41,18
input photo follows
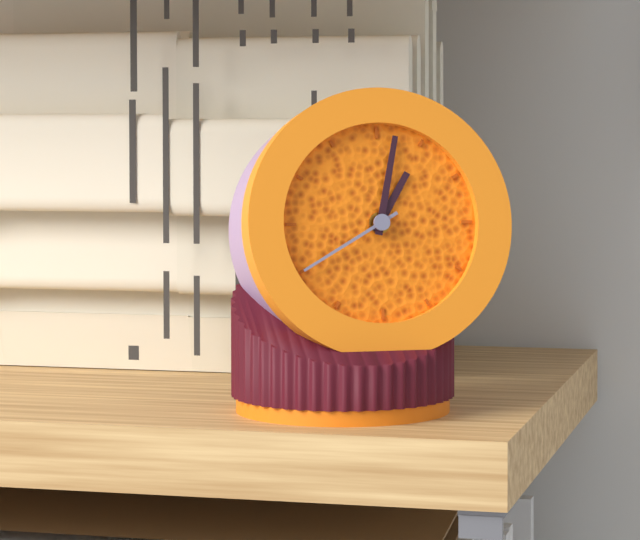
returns 1,02,40
